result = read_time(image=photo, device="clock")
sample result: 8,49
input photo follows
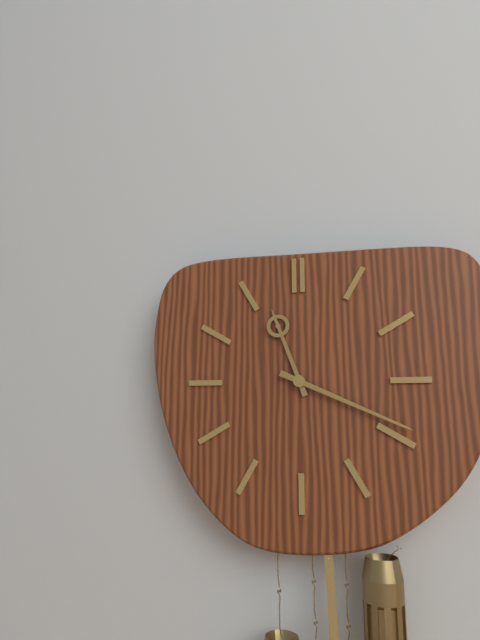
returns 11,19
